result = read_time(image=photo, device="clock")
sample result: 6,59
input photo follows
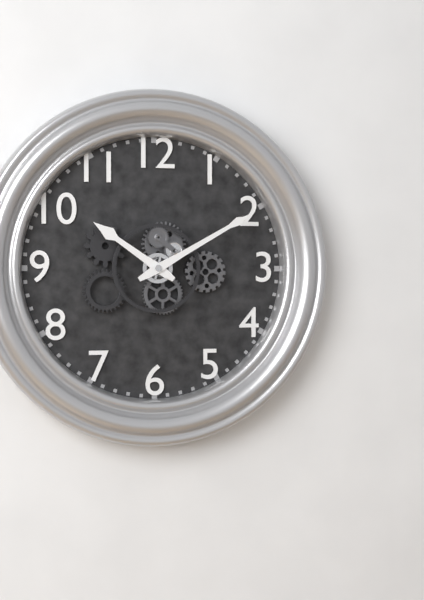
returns 10,10
